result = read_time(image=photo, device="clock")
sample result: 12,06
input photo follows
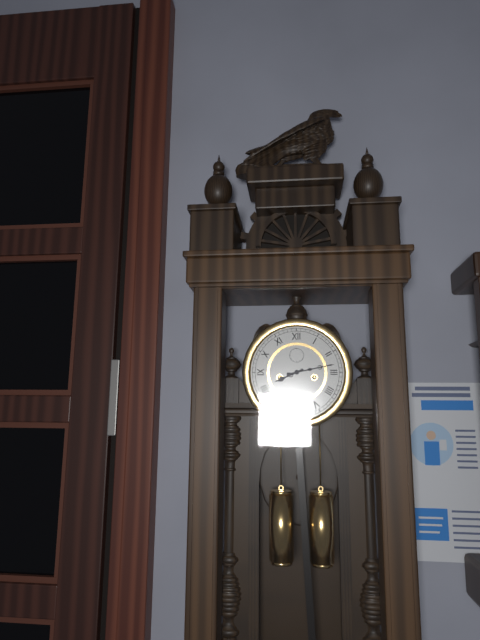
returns 8,13
